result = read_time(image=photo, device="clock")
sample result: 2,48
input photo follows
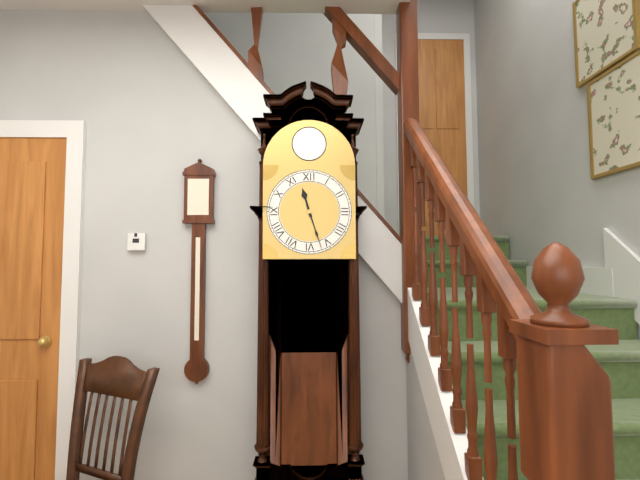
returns 11,27
